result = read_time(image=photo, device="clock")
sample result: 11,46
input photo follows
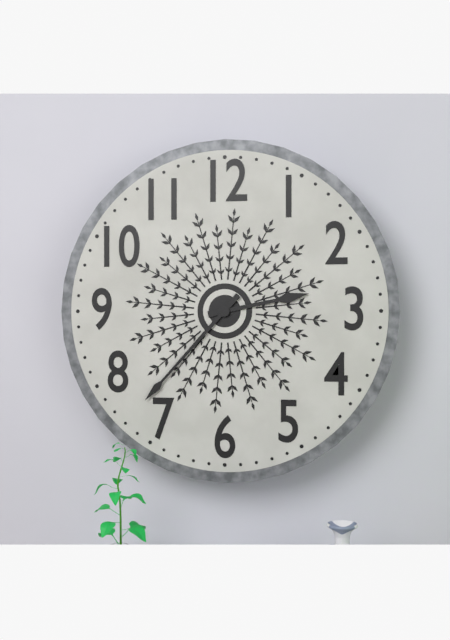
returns 2,37
